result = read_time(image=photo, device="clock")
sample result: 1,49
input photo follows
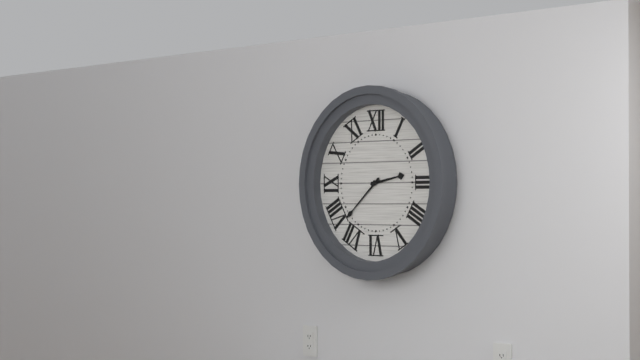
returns 2,38
